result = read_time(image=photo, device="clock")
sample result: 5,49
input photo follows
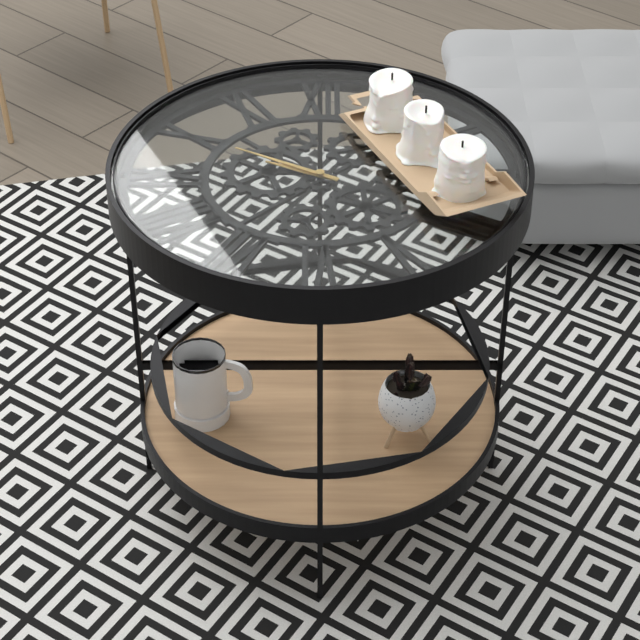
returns 9,50
